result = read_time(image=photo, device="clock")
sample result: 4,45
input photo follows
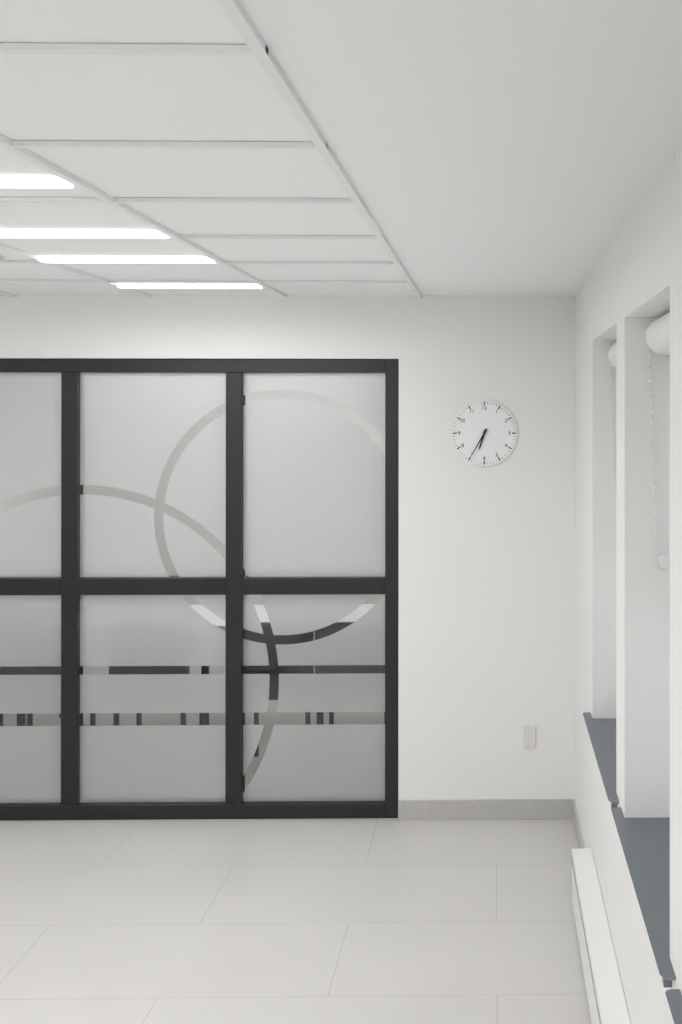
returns 6,35
